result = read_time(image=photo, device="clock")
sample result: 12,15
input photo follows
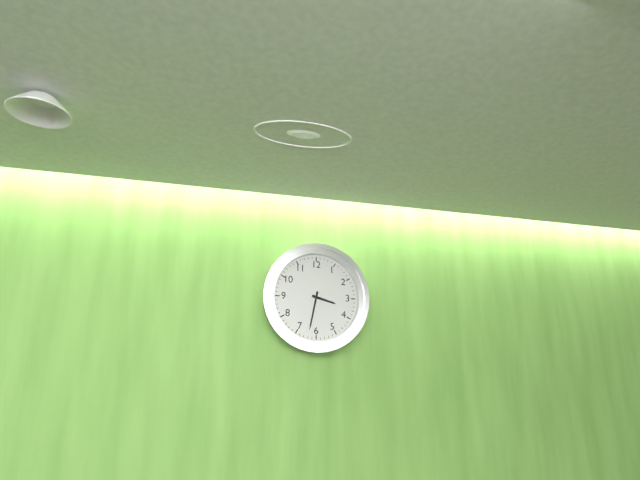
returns 3,32
